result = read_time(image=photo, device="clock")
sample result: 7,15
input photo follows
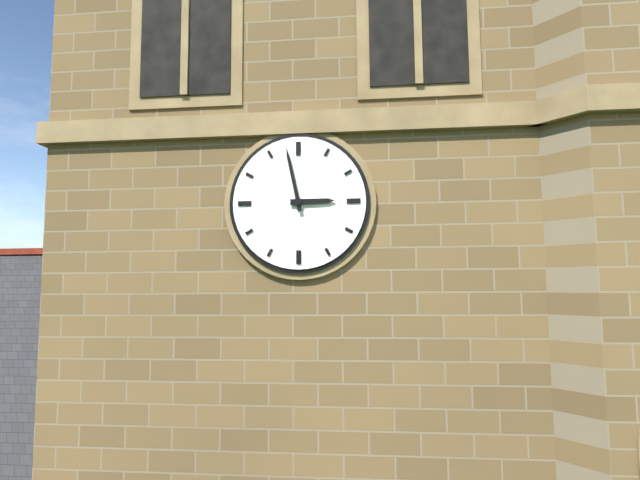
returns 2,58
